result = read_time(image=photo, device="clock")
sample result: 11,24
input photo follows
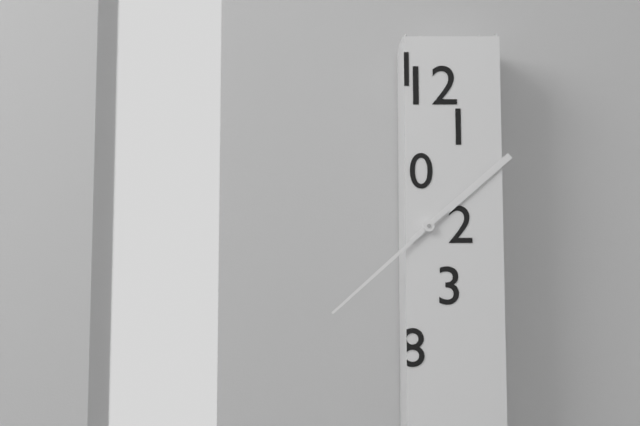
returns 1,38
